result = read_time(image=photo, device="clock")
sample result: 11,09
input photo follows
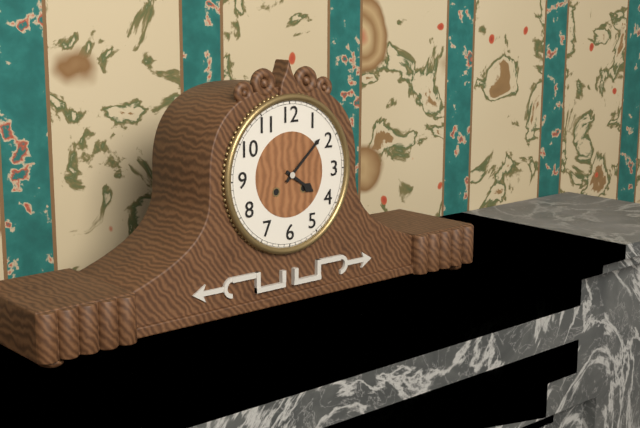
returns 4,08
